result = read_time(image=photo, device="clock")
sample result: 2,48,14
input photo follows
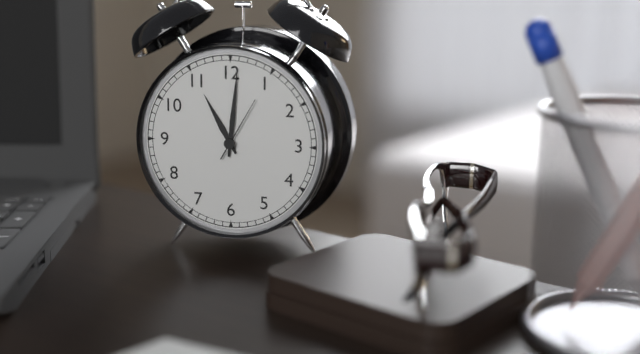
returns 11,01,05
